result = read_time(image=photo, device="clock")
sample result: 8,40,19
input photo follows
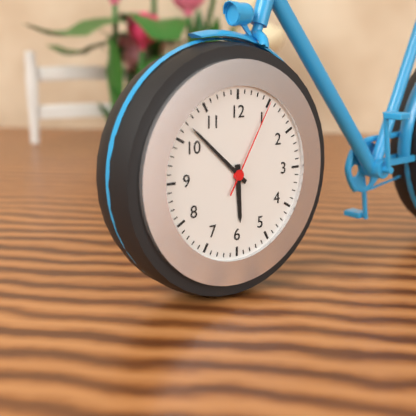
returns 5,52,05
